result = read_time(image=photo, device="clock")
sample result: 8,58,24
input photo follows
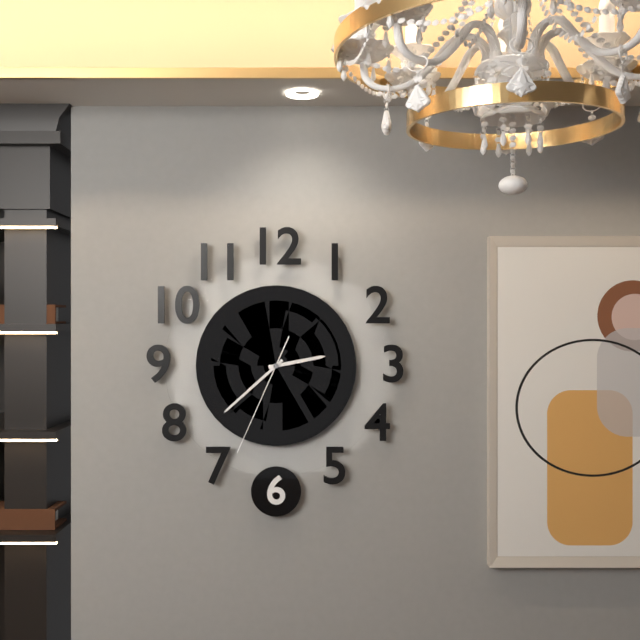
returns 2,38,34
